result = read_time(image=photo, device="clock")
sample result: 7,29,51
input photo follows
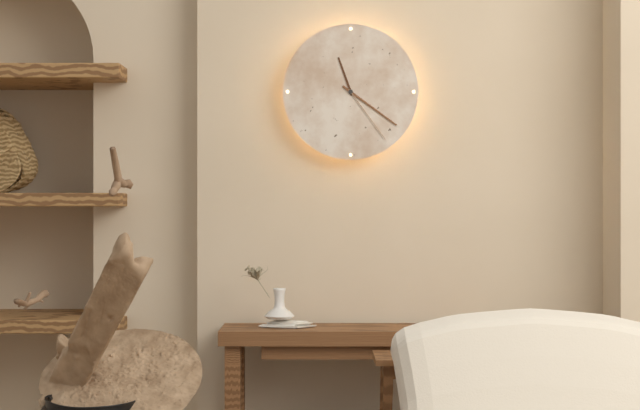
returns 11,21,24
